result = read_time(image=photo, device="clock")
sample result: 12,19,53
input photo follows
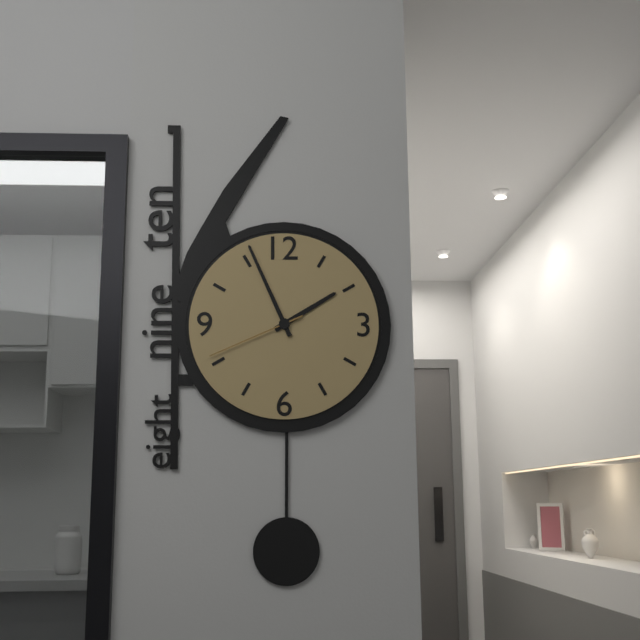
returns 1,56,41
